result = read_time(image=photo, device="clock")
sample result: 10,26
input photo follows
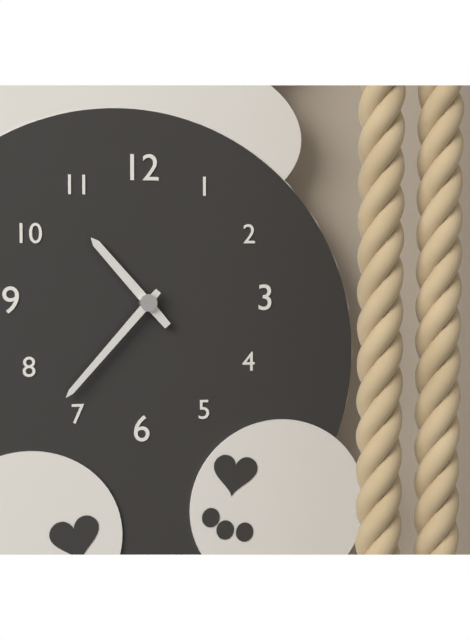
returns 10,37
